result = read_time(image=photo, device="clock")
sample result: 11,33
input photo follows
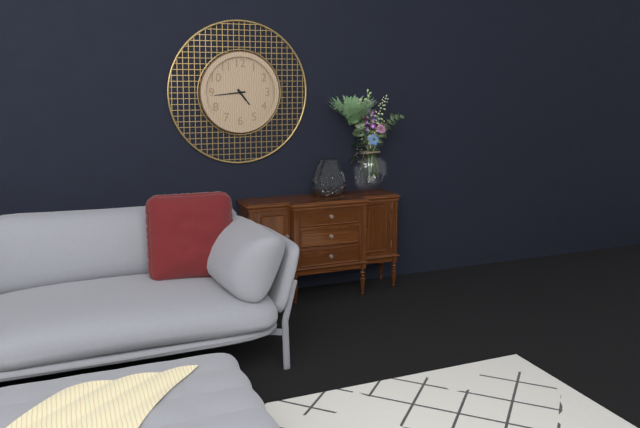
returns 4,44
